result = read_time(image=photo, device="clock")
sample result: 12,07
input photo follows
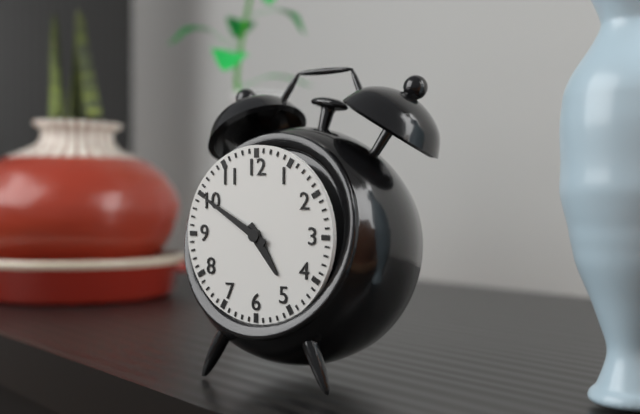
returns 4,50
